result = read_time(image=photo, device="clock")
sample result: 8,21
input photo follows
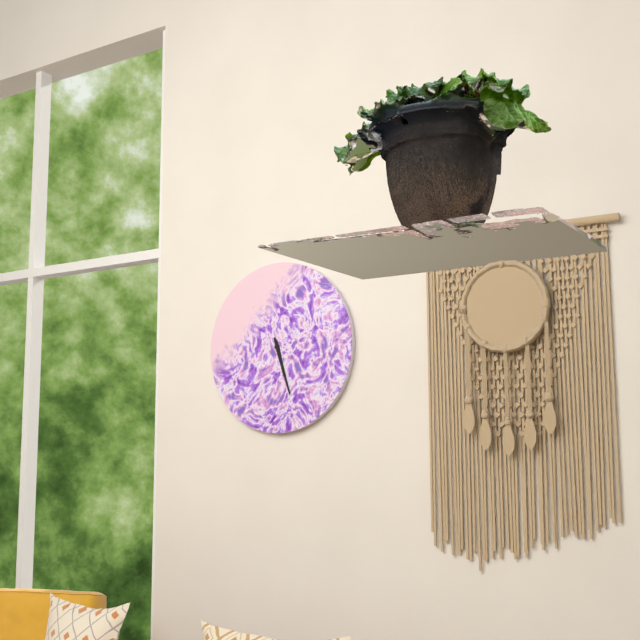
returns 5,27
